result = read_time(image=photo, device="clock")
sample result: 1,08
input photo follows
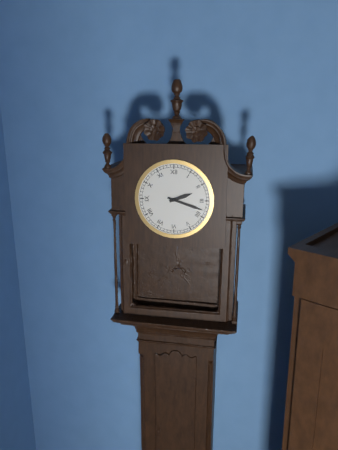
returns 2,18
